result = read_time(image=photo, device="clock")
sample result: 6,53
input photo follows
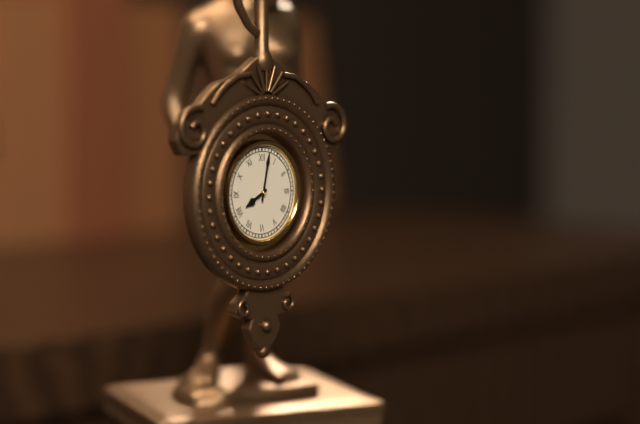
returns 8,02
